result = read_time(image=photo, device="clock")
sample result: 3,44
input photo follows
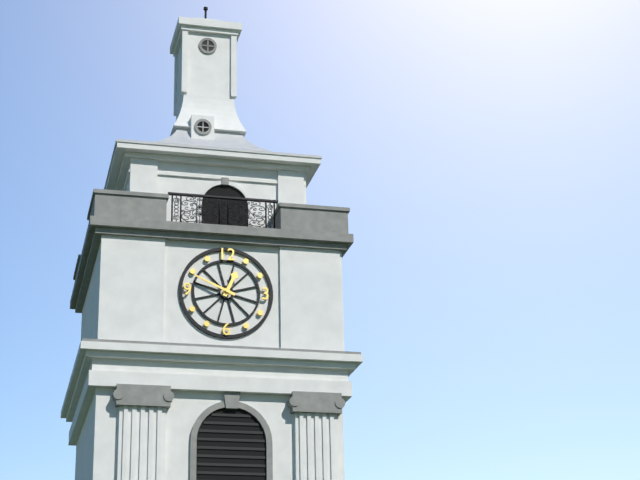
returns 12,49
